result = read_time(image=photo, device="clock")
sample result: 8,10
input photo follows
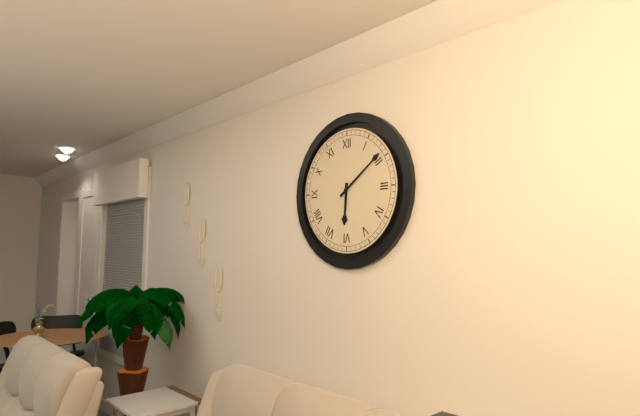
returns 6,09
